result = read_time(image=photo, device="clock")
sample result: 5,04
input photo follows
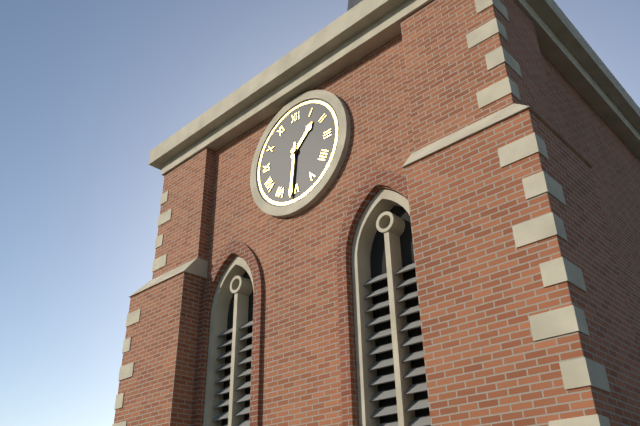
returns 1,31
